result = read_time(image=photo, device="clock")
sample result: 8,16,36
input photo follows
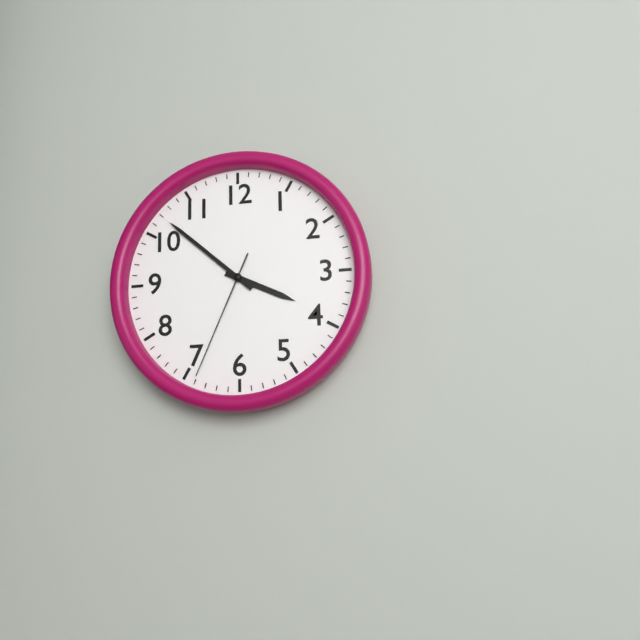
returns 3,52,34
